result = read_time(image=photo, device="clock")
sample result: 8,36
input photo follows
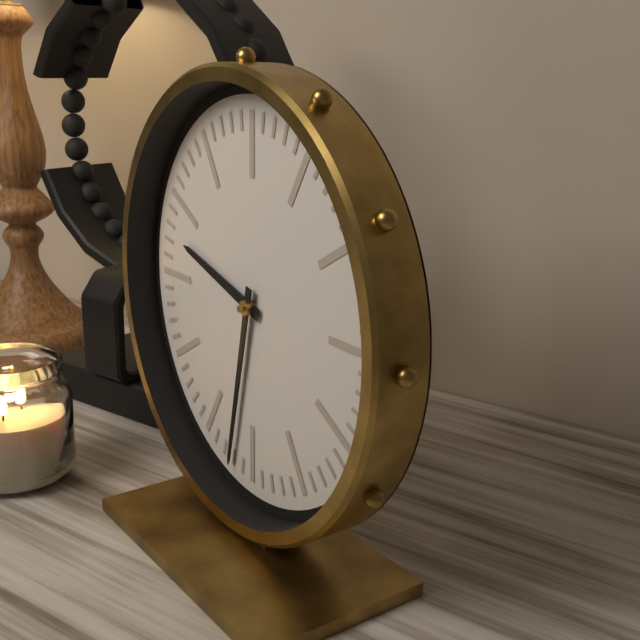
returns 9,32
